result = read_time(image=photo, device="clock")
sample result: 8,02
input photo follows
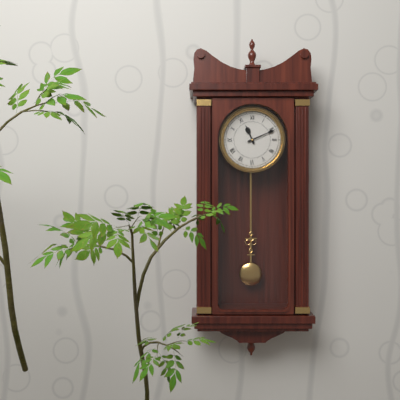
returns 11,11
